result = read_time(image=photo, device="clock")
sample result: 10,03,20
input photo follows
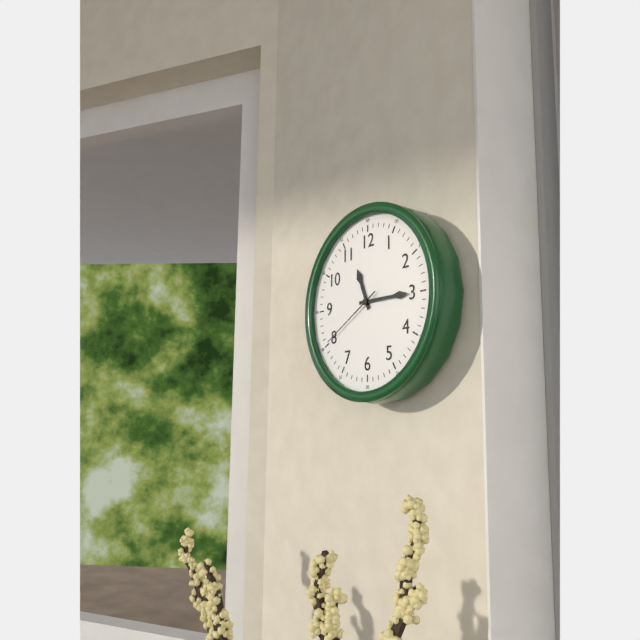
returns 11,15,40
